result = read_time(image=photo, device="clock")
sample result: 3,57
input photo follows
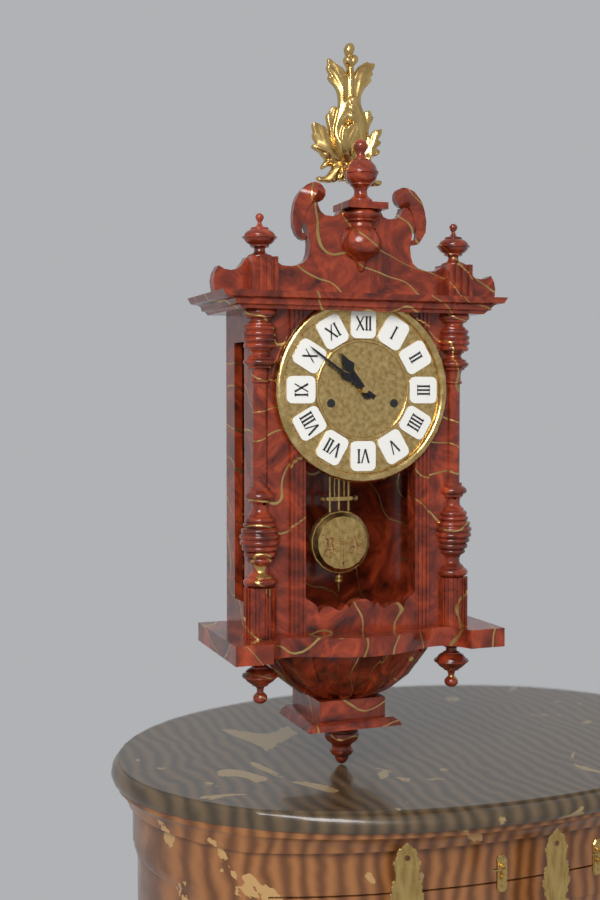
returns 10,51
